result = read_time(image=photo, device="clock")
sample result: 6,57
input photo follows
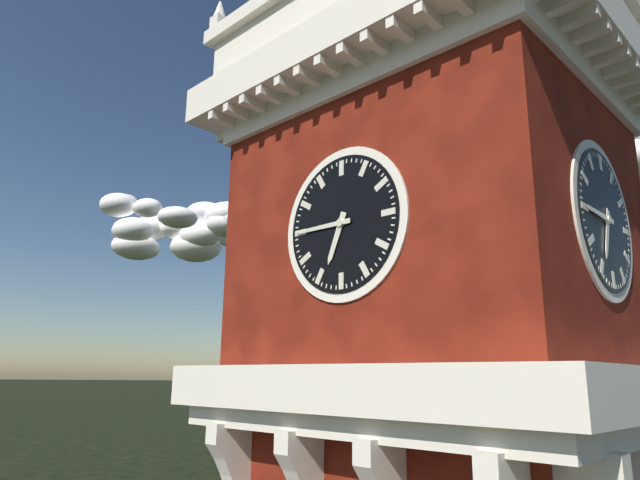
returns 6,45
